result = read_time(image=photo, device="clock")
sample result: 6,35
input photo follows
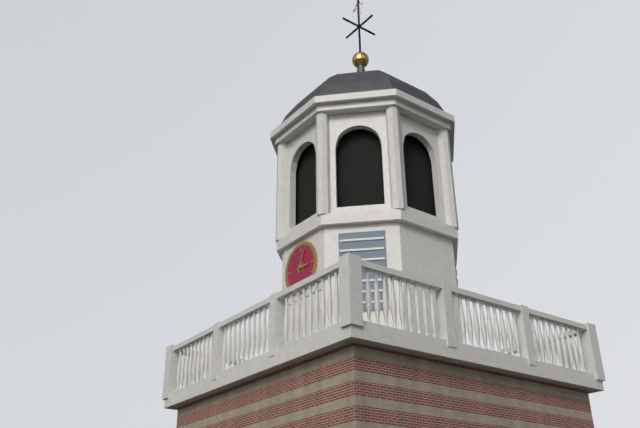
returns 3,04
